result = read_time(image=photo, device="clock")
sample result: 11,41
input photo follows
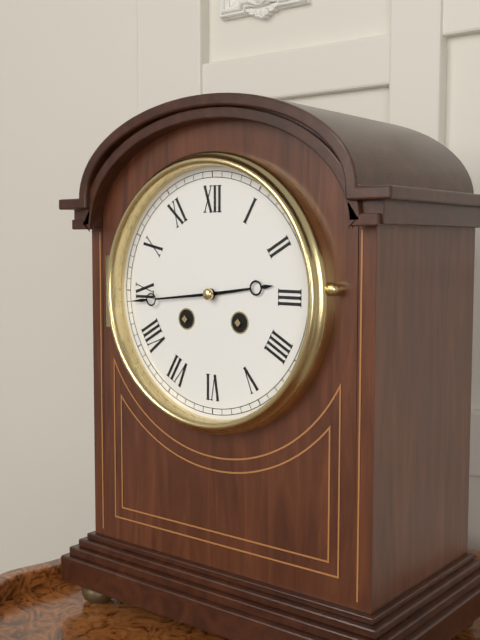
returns 2,44
